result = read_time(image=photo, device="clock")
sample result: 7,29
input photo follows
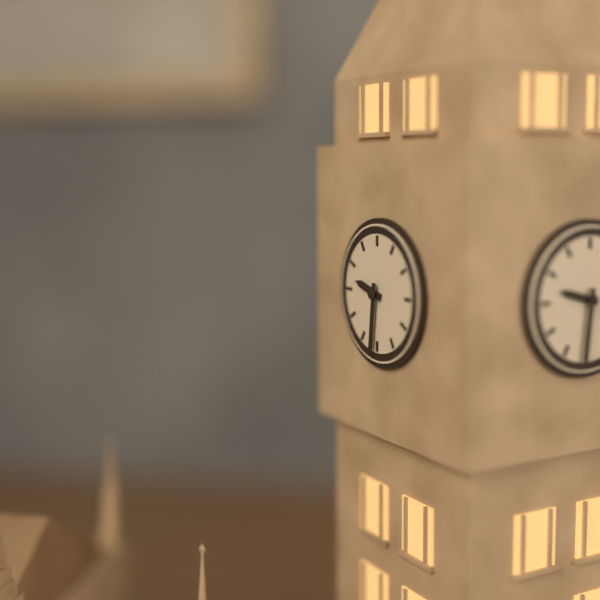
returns 9,31
